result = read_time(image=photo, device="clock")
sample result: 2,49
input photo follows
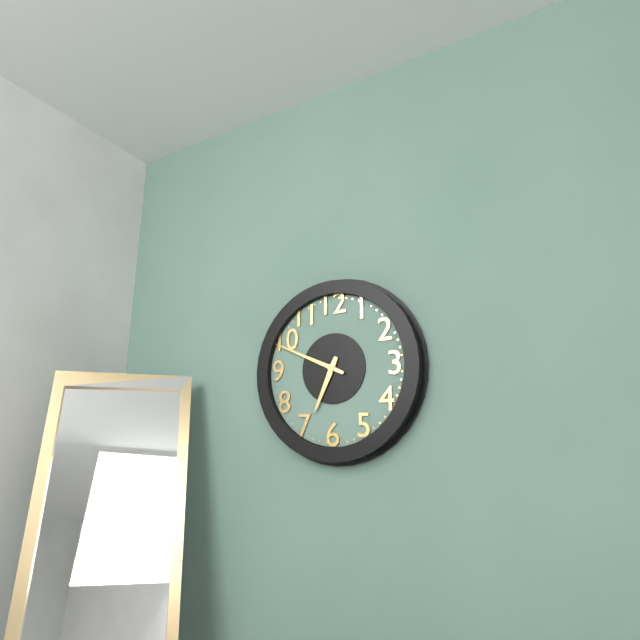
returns 6,49
